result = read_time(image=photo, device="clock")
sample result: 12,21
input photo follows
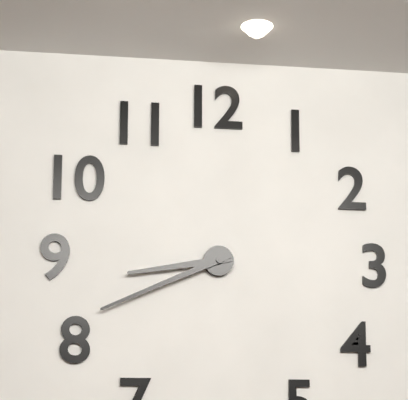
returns 8,41
